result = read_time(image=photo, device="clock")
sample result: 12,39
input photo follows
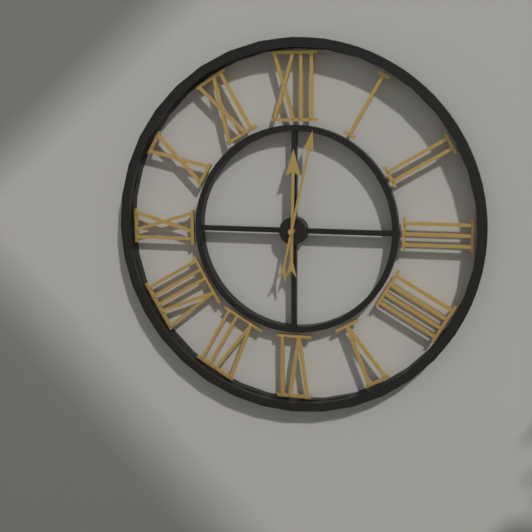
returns 12,02
